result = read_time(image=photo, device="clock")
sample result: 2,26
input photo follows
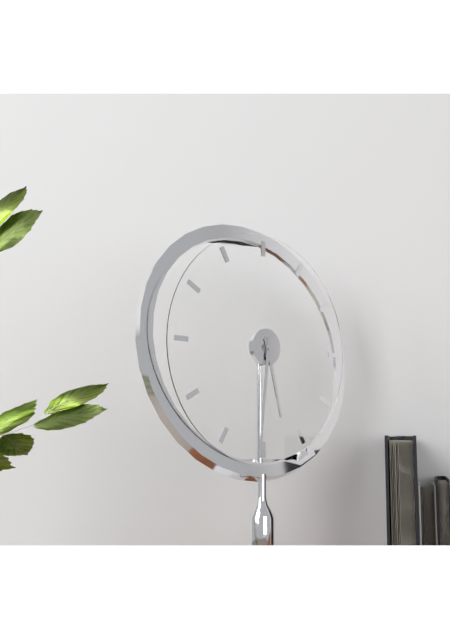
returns 5,31
